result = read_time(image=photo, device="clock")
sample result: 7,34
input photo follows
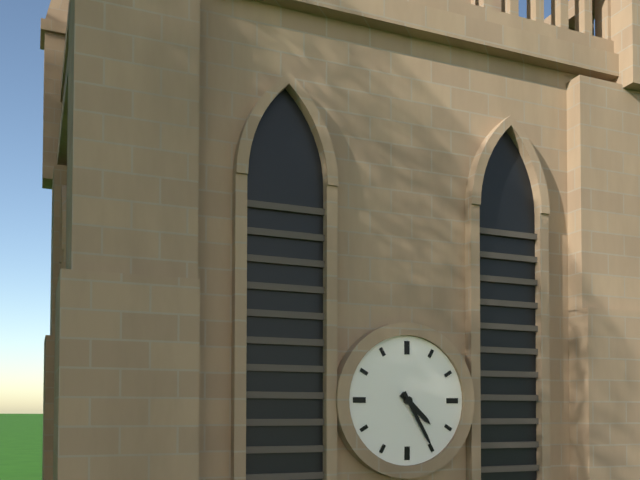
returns 4,25
